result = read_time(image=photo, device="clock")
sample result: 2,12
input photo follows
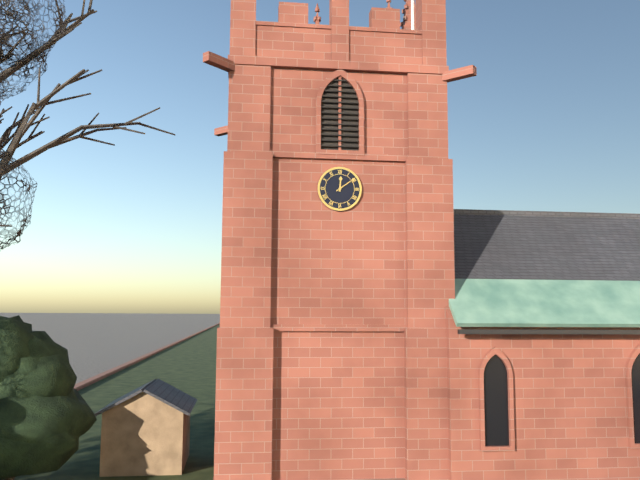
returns 12,09
